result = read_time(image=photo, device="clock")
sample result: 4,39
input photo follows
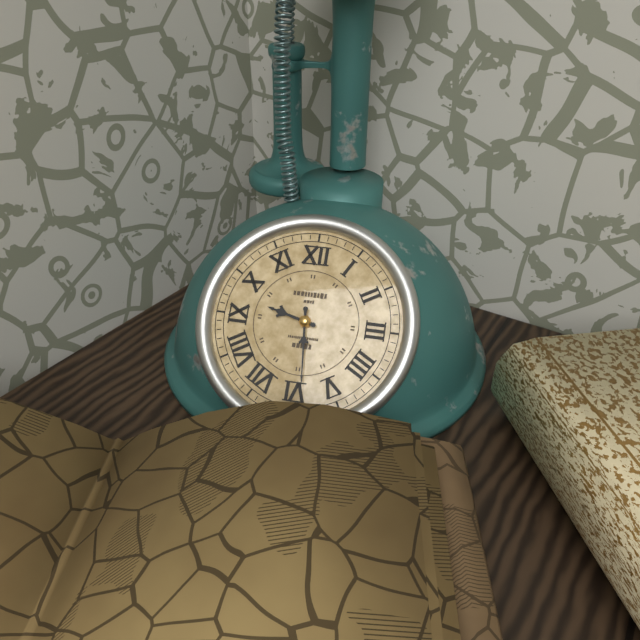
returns 9,29
